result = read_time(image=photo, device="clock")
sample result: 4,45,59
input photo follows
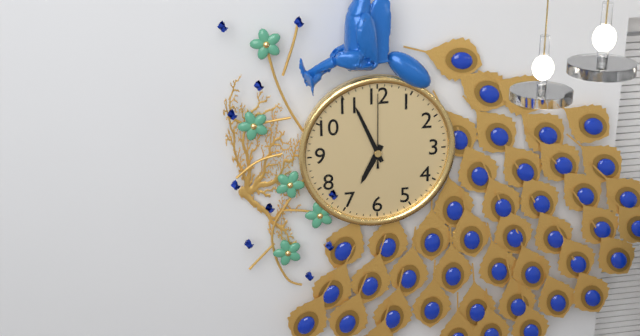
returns 6,56,00
